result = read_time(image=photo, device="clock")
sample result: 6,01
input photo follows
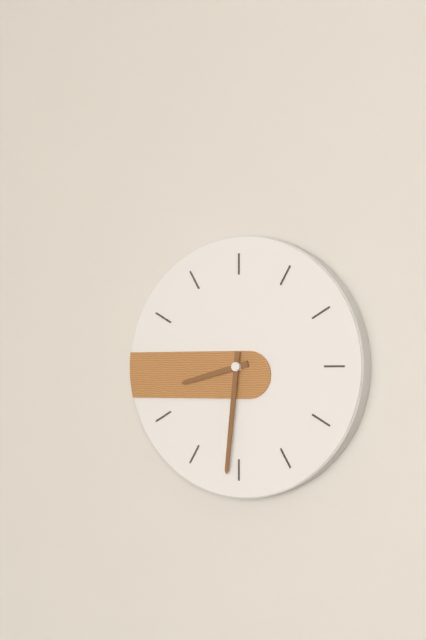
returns 8,31
